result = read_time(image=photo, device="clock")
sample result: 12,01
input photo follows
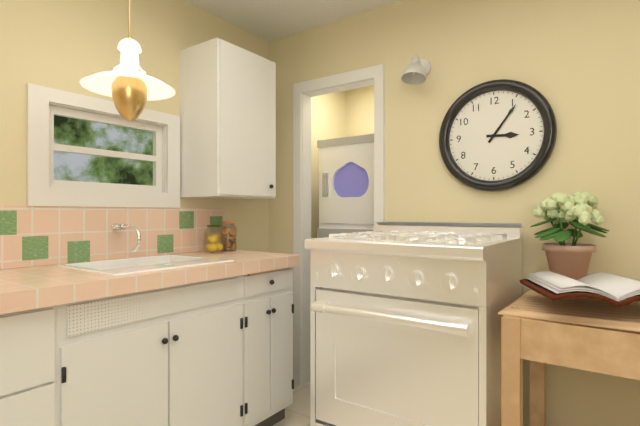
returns 3,06
